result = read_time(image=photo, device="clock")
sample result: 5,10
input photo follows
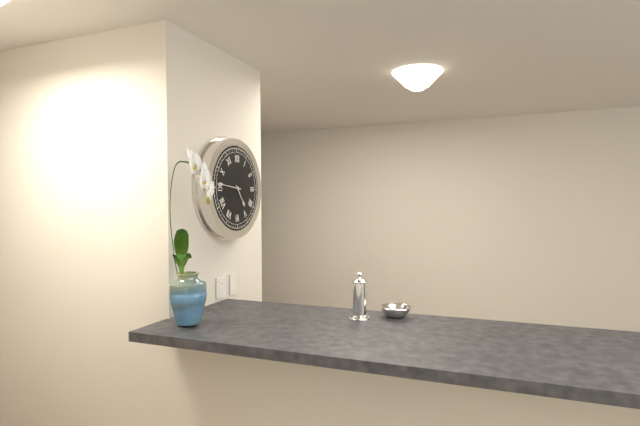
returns 4,46
